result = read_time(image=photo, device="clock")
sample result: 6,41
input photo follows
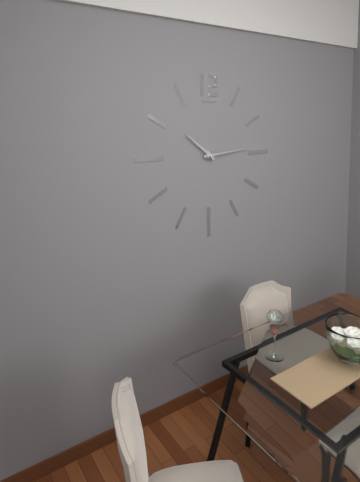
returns 10,14
